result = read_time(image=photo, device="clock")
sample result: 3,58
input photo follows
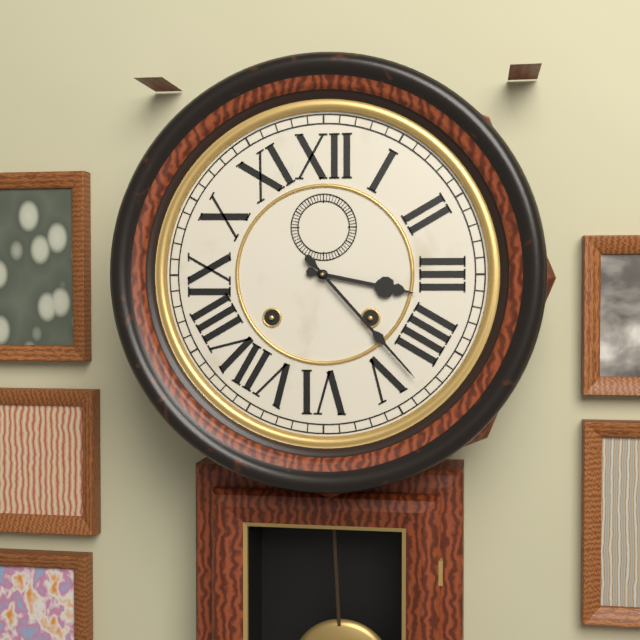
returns 3,23
